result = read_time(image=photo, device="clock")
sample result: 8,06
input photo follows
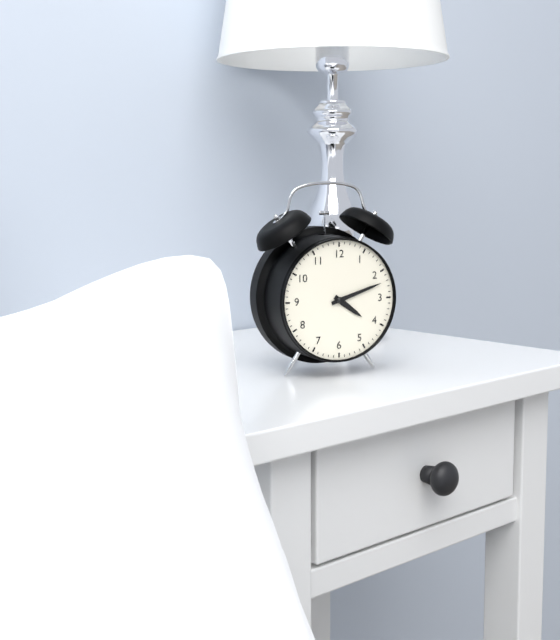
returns 4,12
